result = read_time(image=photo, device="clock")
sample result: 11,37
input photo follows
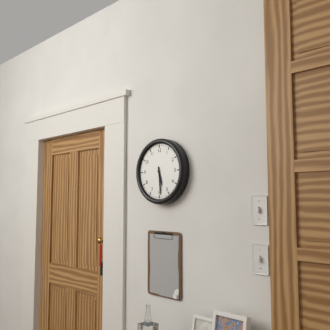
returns 5,29
